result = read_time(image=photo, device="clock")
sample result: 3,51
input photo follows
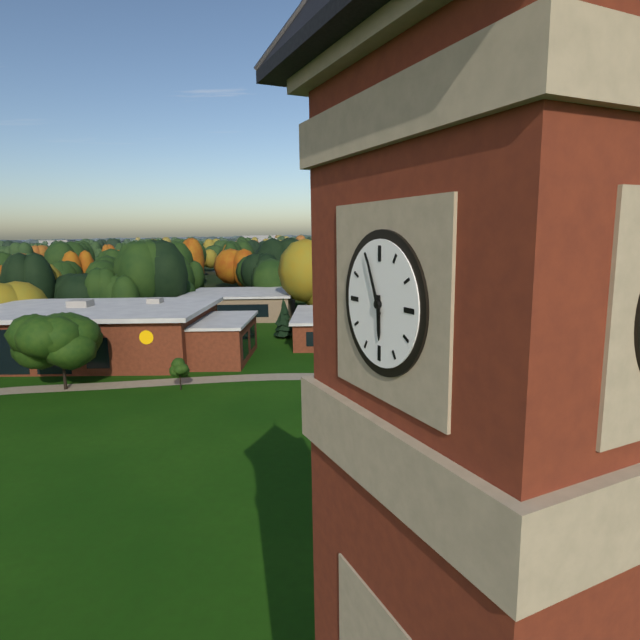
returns 5,56
